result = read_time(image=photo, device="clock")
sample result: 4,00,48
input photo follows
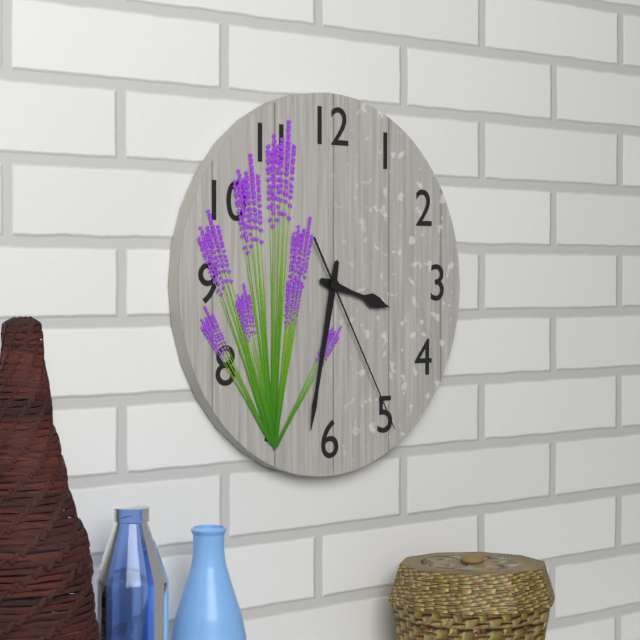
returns 3,32,25
